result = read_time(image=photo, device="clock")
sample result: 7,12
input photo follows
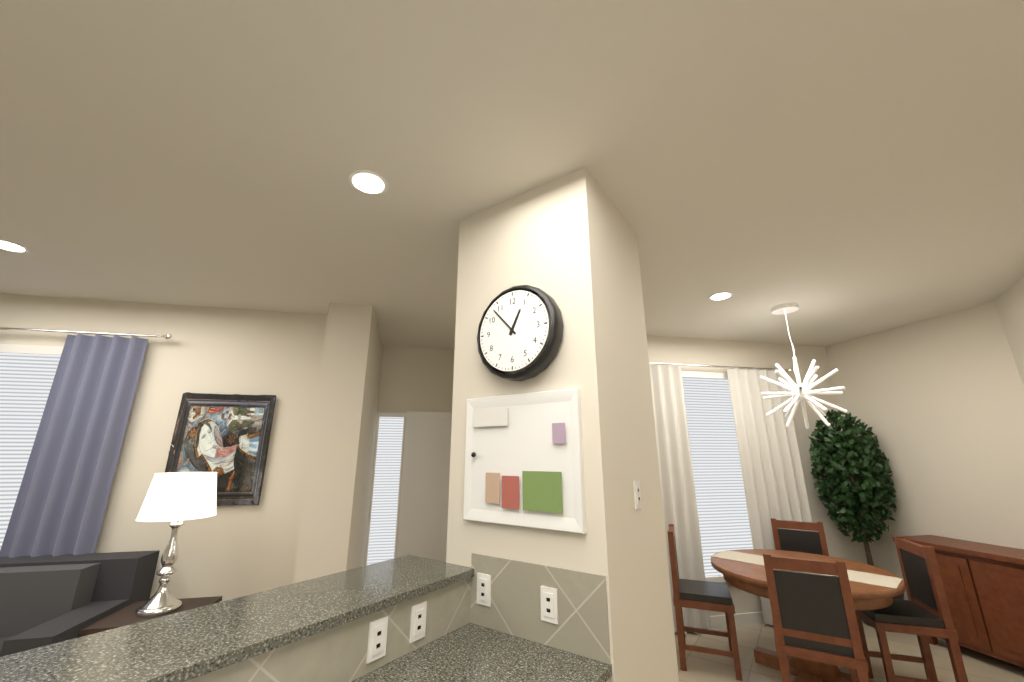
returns 12,53
